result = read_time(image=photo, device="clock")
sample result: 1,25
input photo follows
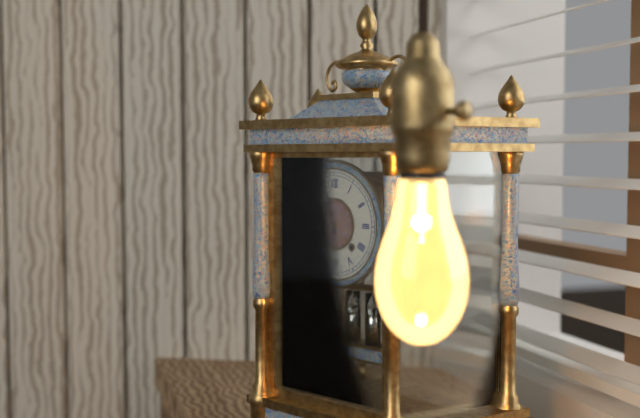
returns 11,29
